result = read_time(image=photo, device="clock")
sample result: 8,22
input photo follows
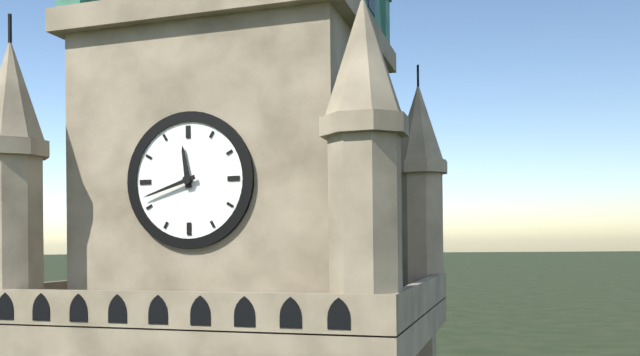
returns 11,42
